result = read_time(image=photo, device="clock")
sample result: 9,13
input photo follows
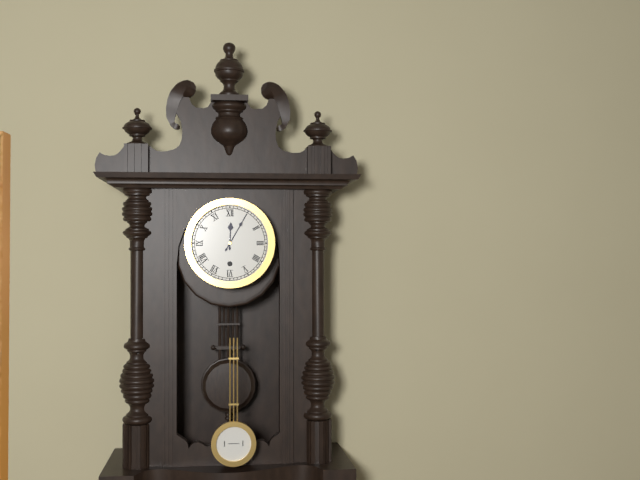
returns 12,05
